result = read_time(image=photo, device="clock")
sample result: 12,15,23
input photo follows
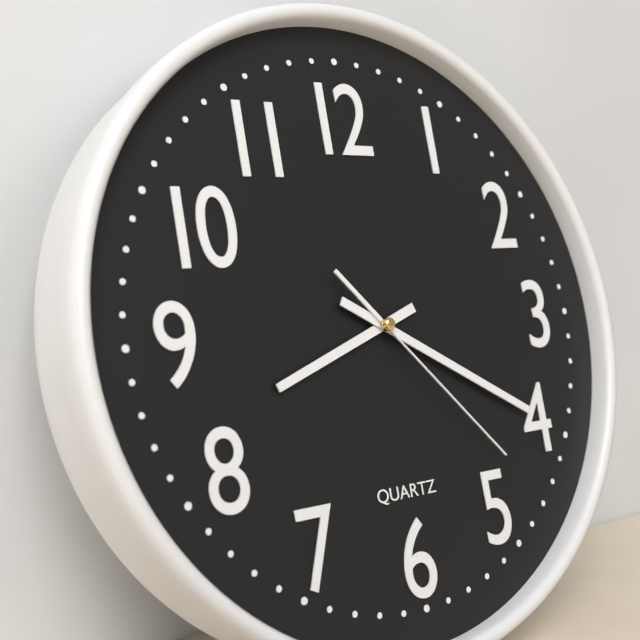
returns 8,20,23
